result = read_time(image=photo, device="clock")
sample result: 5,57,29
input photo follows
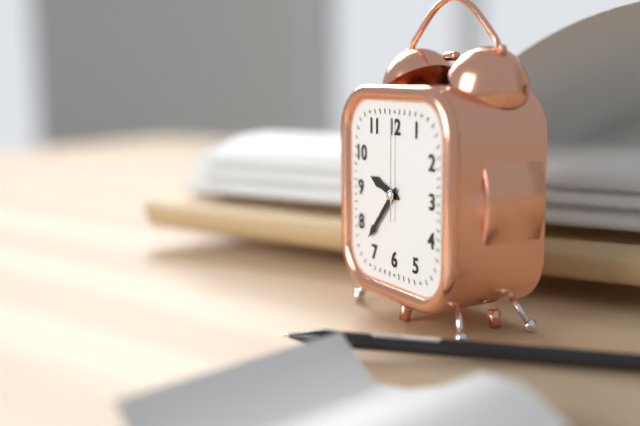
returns 9,37,00
